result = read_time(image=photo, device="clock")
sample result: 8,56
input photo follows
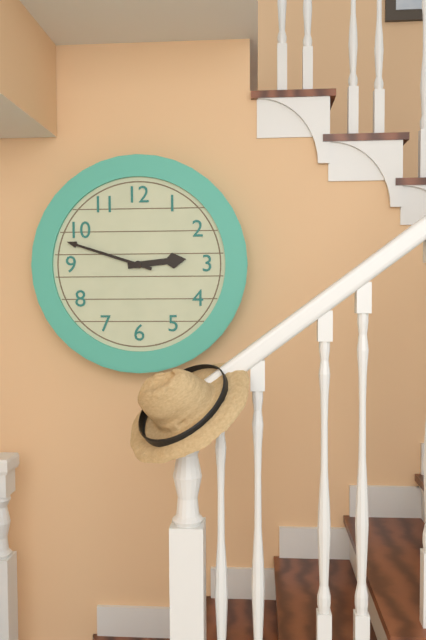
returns 2,48
